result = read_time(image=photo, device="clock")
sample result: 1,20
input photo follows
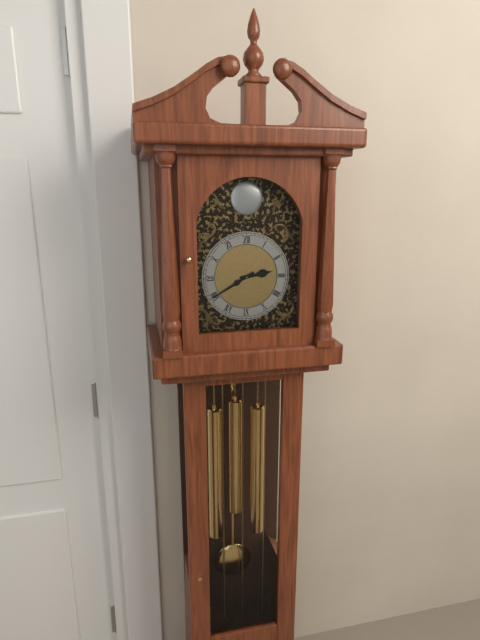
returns 2,40
